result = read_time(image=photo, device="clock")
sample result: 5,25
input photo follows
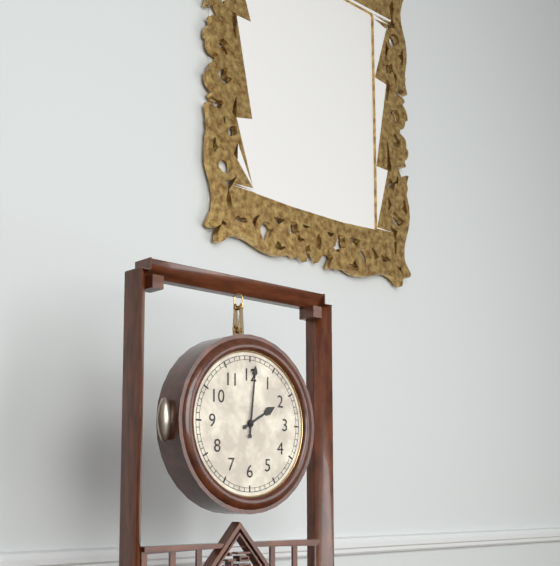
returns 2,01
